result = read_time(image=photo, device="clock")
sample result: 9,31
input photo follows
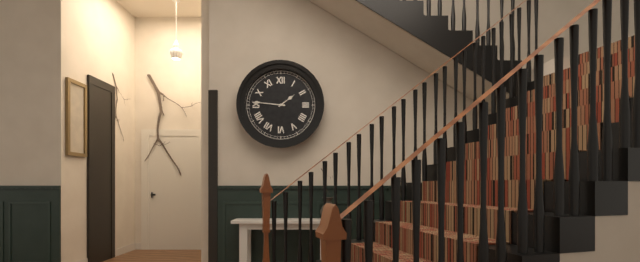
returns 1,46
